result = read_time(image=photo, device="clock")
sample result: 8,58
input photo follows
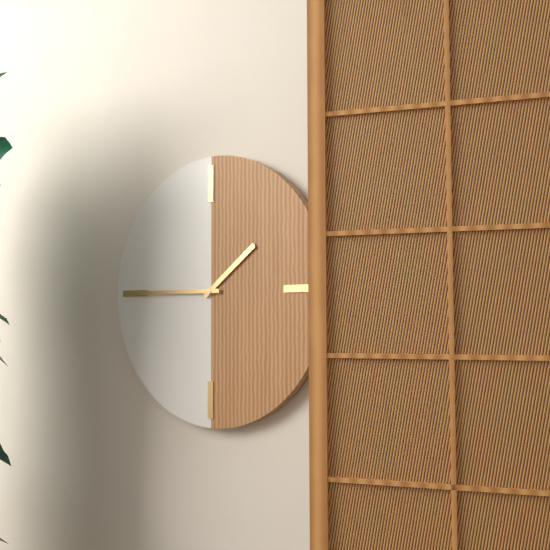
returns 1,45
